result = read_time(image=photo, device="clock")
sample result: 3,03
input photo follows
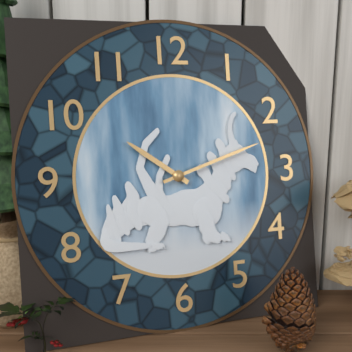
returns 10,12
